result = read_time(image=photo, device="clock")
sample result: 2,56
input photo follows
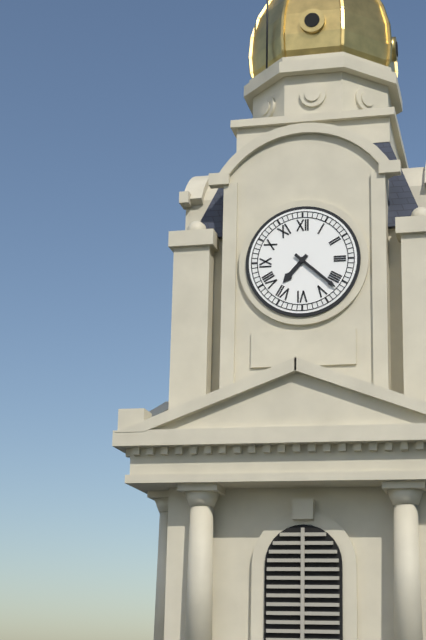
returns 7,22
